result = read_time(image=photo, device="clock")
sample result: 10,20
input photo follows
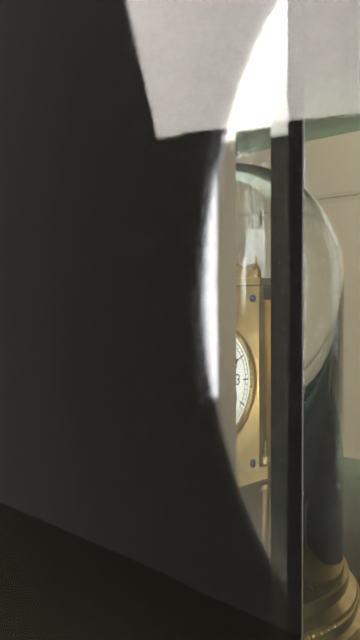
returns 4,10
